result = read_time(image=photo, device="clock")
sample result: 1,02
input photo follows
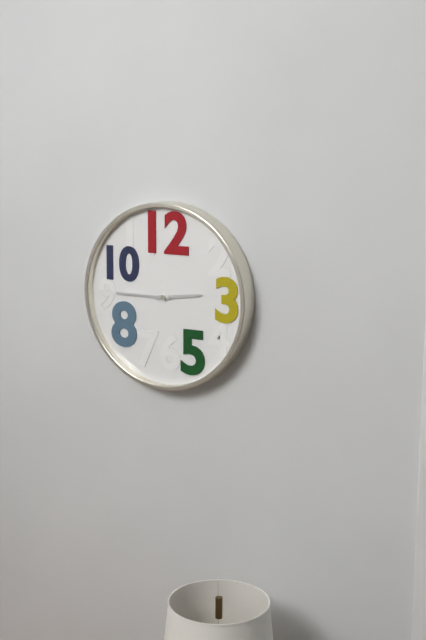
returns 2,45
